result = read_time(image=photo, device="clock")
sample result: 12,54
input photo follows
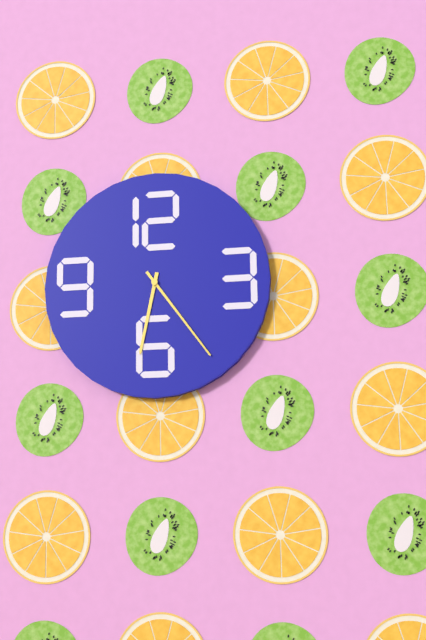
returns 6,24
